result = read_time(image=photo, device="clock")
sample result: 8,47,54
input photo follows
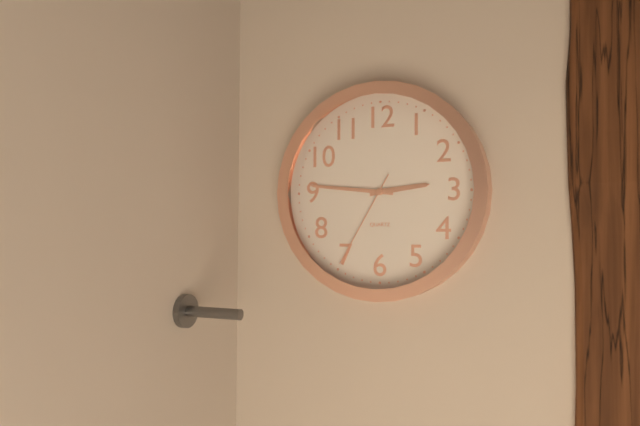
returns 2,46,35
